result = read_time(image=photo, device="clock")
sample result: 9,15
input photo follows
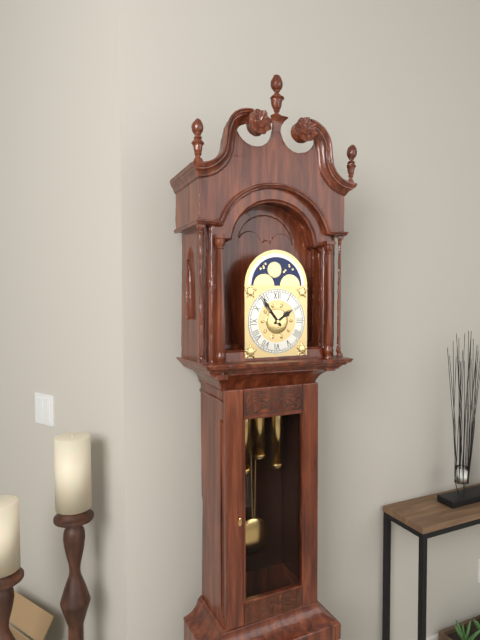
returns 1,54
